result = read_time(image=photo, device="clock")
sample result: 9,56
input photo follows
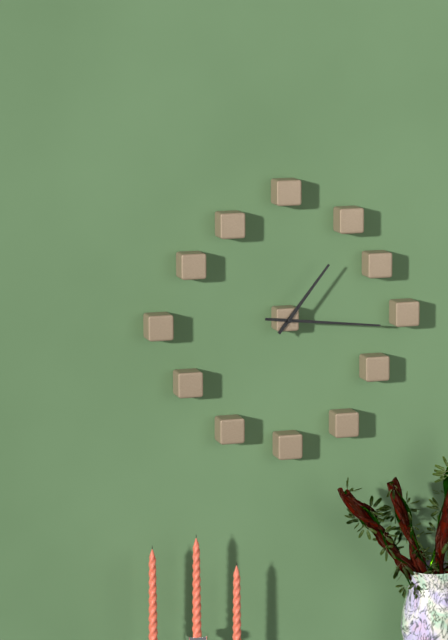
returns 1,16
